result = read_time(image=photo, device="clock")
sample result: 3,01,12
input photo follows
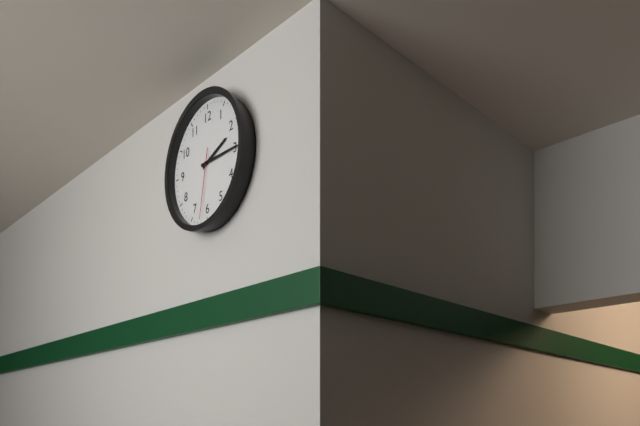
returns 2,15,32
